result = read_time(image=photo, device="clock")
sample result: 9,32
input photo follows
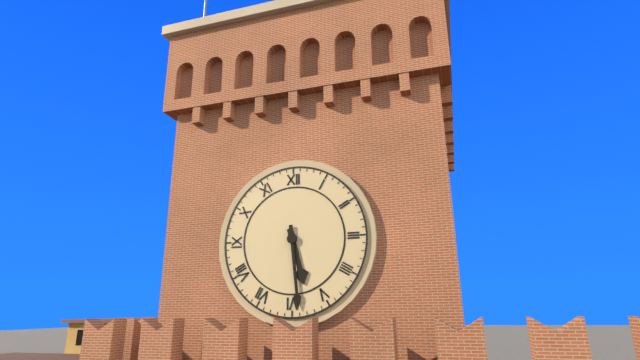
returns 5,29
